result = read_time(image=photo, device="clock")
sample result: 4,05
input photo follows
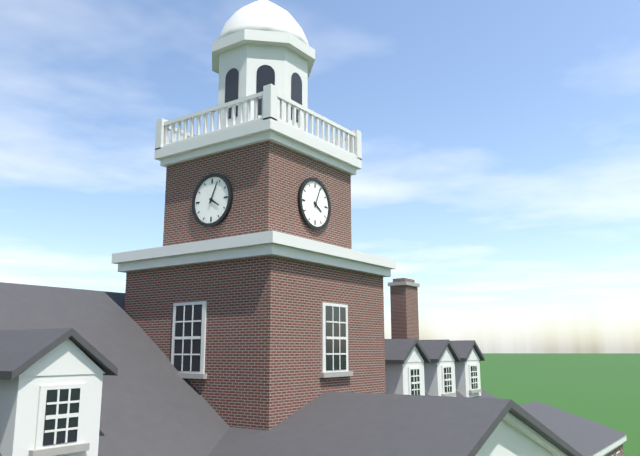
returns 4,04
